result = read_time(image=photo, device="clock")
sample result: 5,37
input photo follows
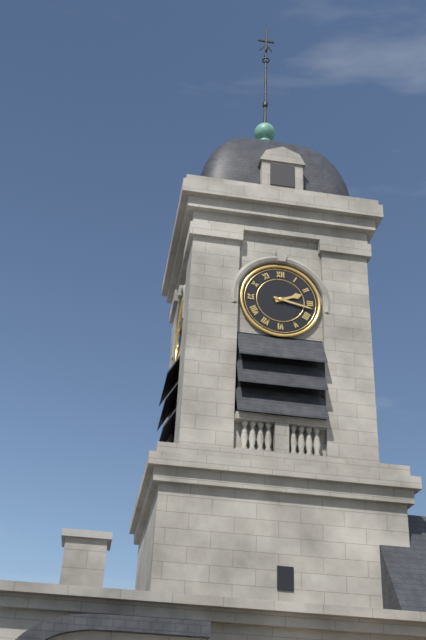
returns 2,17
